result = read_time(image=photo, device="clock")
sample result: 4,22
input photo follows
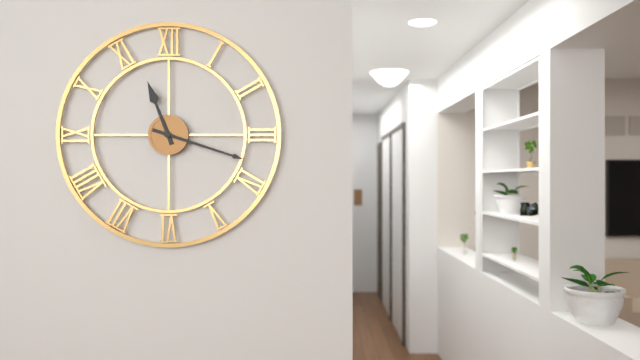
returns 11,18
